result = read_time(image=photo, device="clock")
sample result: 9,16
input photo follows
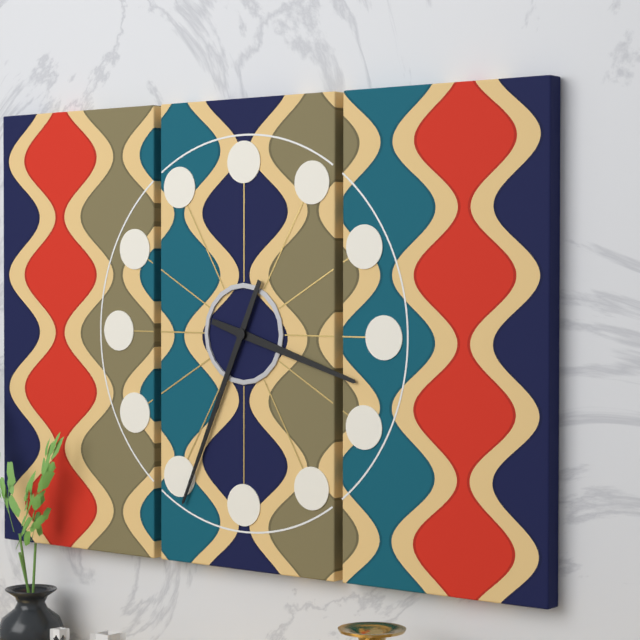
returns 3,34
